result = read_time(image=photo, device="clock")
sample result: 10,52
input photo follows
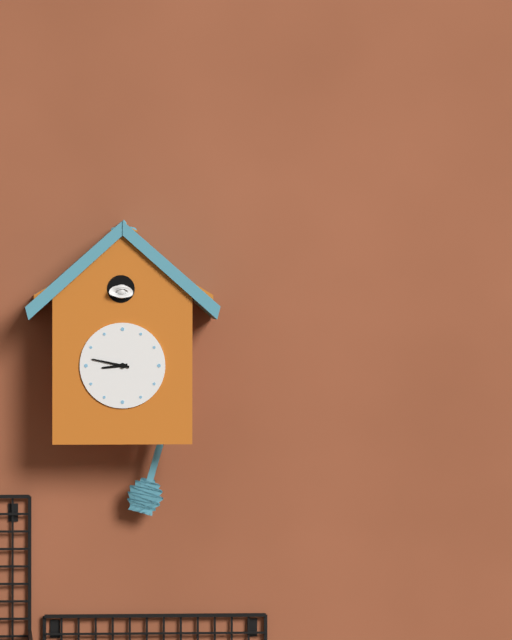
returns 8,47
